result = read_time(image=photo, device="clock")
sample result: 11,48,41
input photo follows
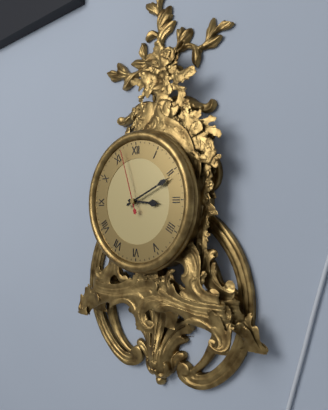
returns 3,11,57
